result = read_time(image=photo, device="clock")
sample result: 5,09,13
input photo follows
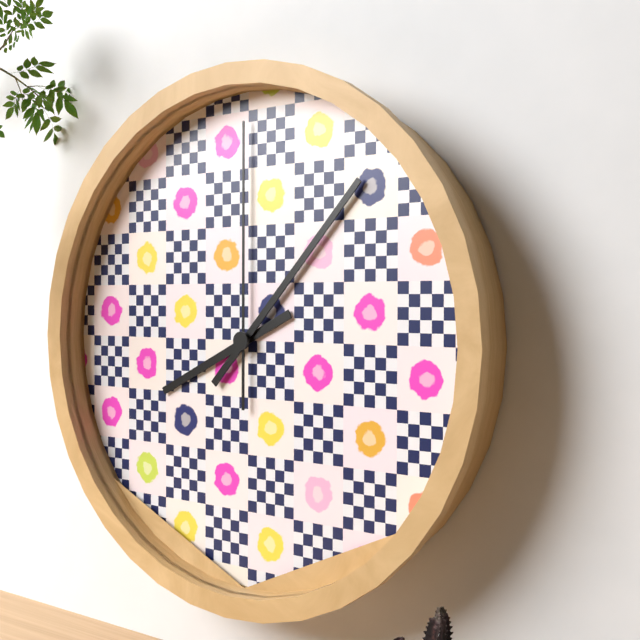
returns 8,07,00
